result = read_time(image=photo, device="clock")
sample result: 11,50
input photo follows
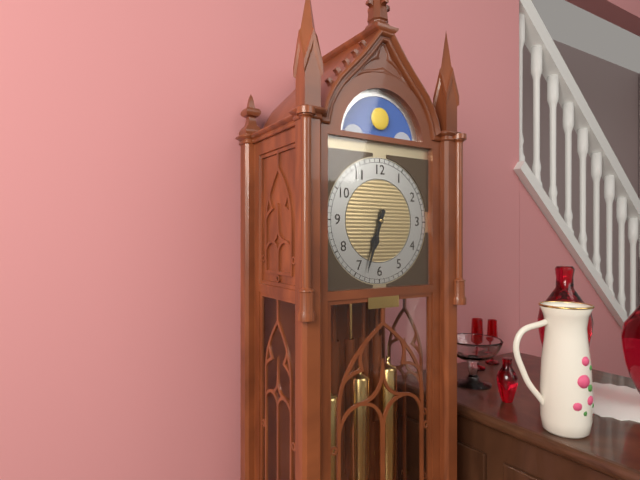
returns 6,33
